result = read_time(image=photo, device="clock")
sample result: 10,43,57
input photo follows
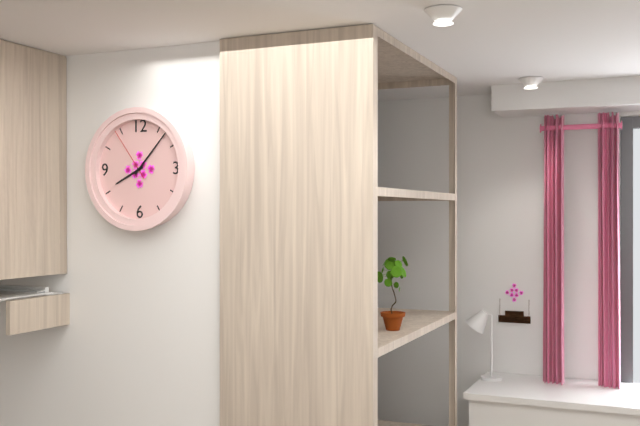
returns 8,07,54
